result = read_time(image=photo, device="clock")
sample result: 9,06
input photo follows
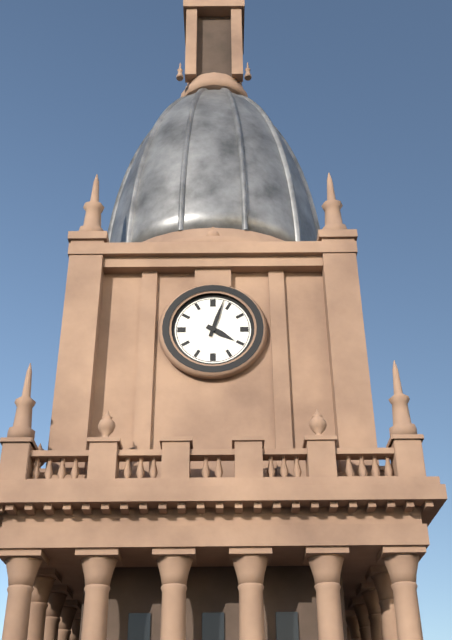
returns 4,03
